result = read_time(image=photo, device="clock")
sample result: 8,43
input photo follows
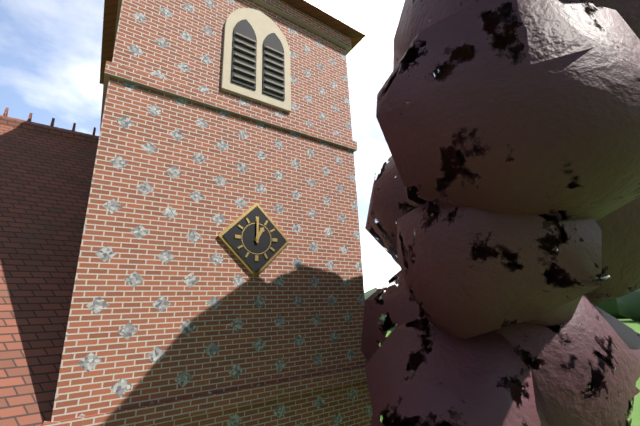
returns 1,00
